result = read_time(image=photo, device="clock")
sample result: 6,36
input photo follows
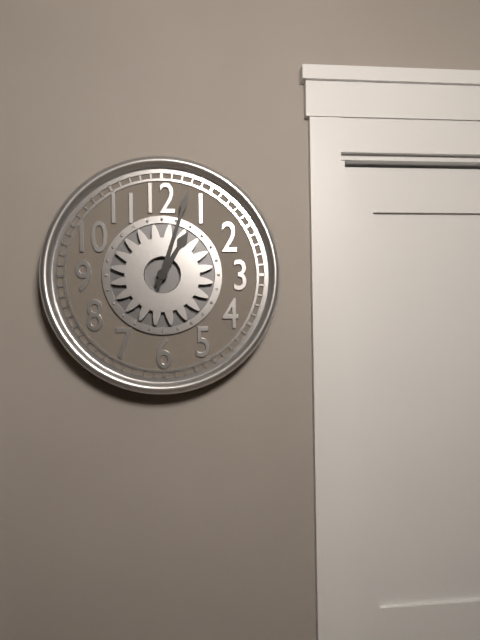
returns 1,03
